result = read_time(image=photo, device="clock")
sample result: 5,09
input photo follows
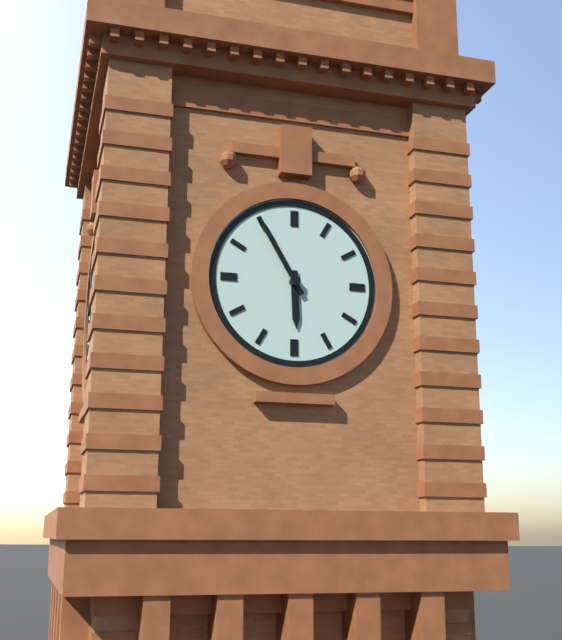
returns 5,55
